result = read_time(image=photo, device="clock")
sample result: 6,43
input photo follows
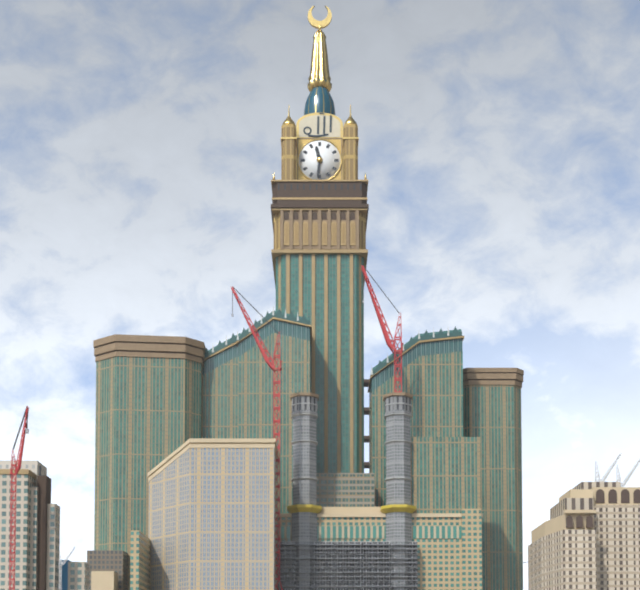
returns 11,31
